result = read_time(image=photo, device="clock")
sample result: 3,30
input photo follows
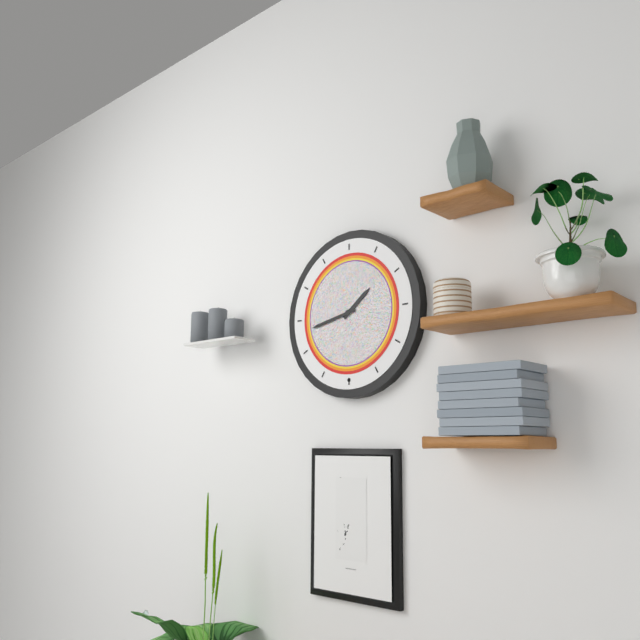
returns 1,43
